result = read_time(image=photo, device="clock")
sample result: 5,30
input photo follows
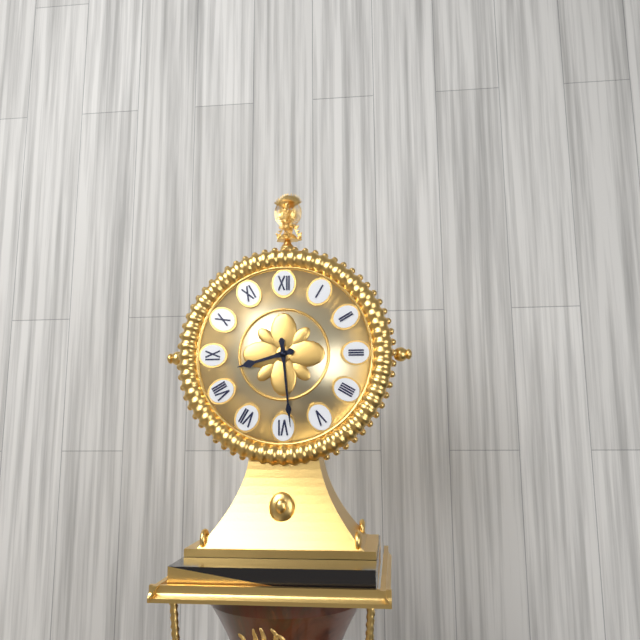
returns 8,29
